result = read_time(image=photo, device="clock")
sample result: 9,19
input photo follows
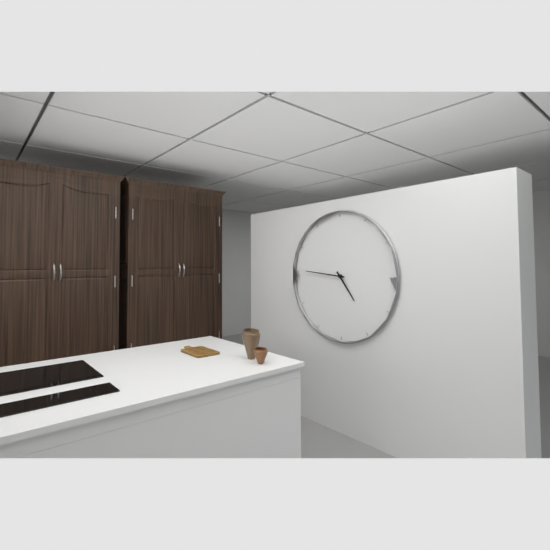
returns 4,46
